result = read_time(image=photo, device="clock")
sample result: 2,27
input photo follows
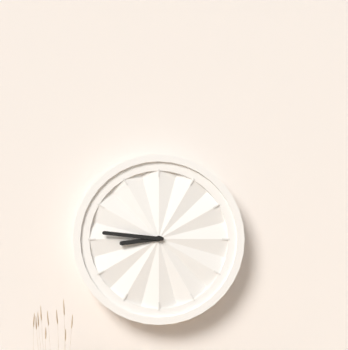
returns 8,46
